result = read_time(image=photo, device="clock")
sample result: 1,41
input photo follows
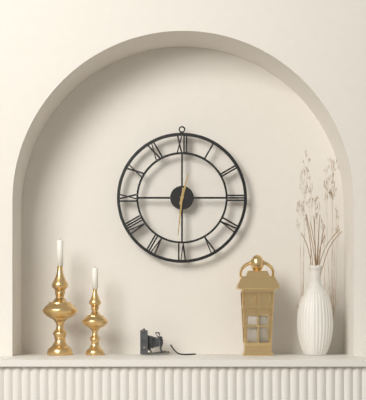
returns 12,31
